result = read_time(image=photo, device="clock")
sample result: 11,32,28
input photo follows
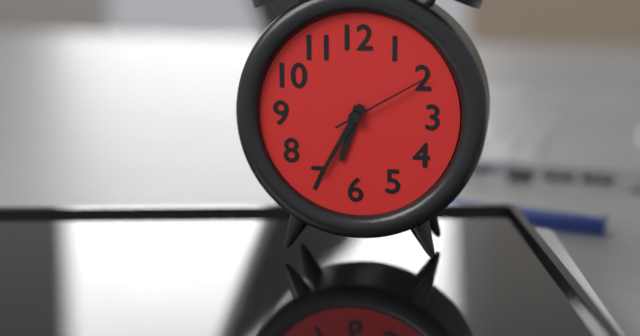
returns 6,35,10
